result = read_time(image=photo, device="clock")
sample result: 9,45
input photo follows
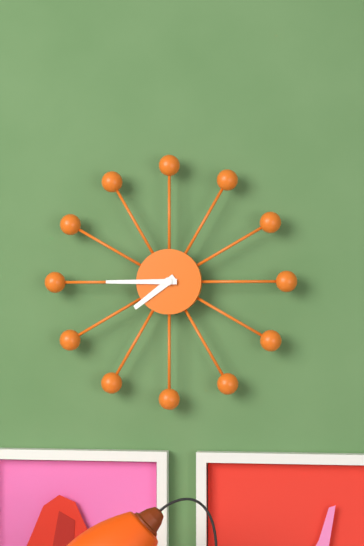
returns 7,45
